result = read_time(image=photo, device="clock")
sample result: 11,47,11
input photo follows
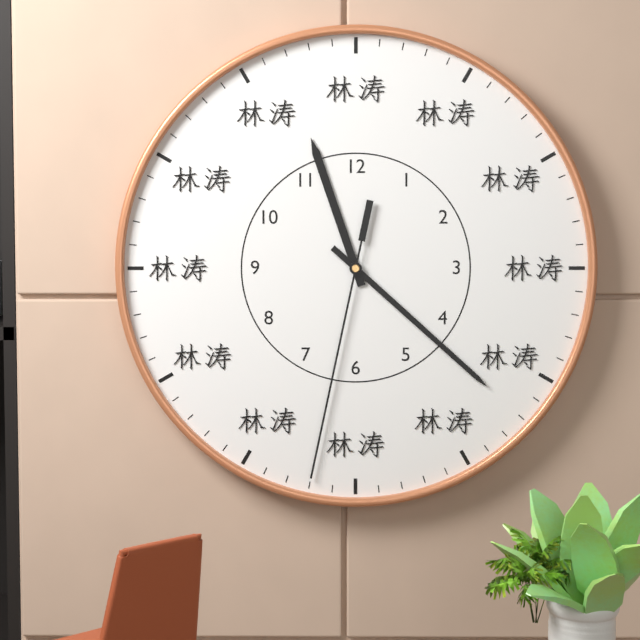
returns 11,22,32
